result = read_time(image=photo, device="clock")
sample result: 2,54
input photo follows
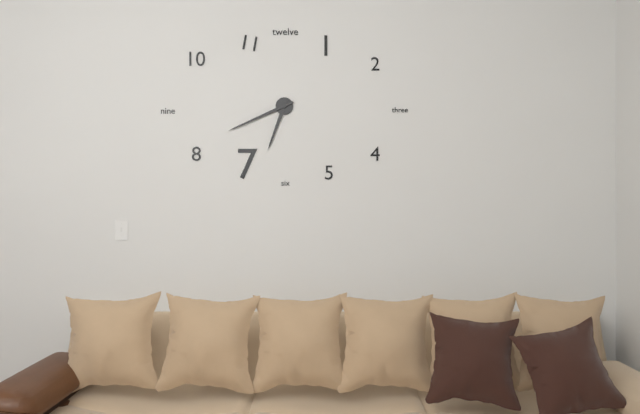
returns 6,41
